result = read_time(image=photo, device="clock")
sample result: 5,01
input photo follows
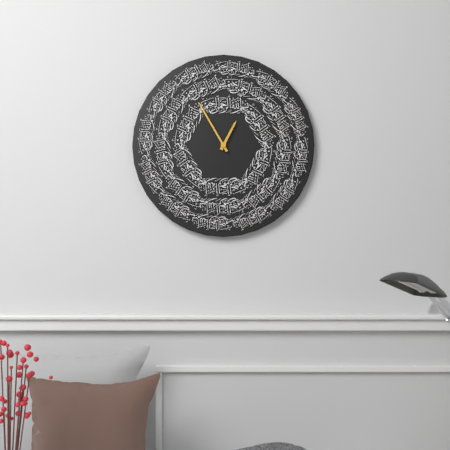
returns 12,55
